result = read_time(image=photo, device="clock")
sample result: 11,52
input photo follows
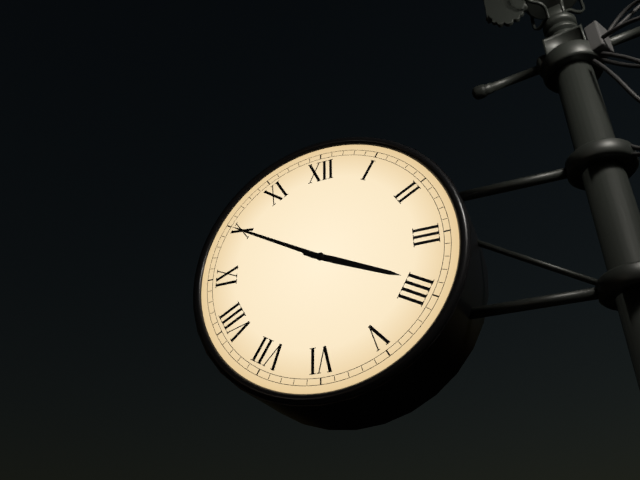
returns 3,50
